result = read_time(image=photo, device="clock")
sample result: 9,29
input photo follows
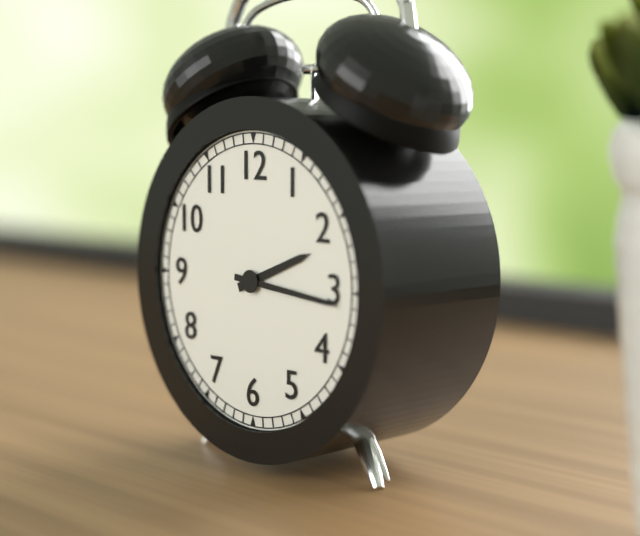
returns 2,16
